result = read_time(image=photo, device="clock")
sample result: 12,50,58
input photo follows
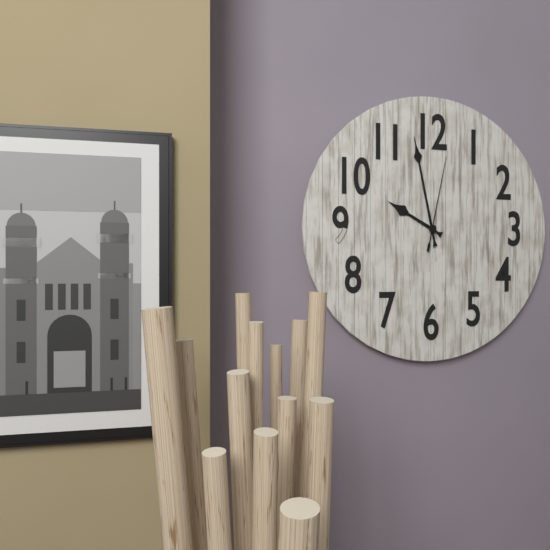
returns 9,58,02
